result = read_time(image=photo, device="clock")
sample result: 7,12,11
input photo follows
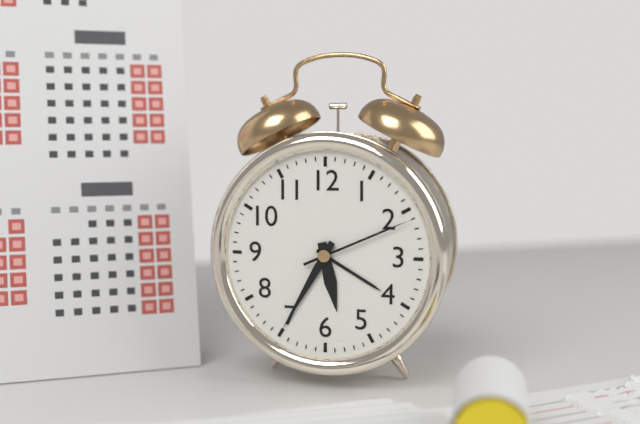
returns 5,35,11
